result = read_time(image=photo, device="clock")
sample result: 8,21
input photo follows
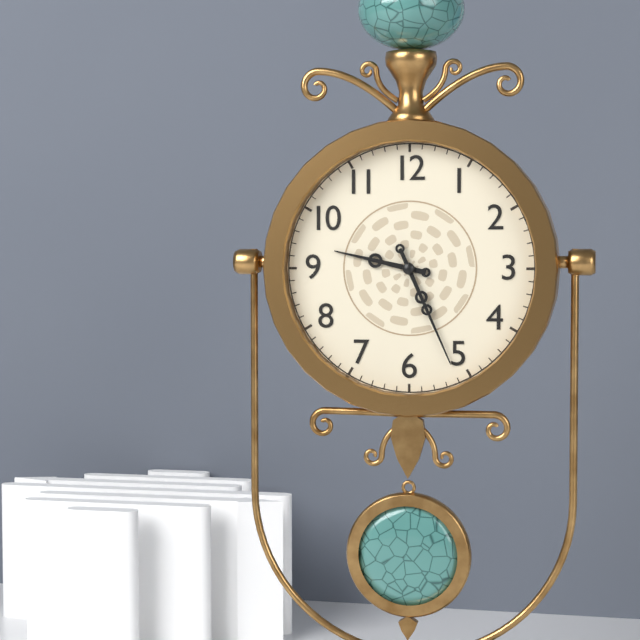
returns 9,26
